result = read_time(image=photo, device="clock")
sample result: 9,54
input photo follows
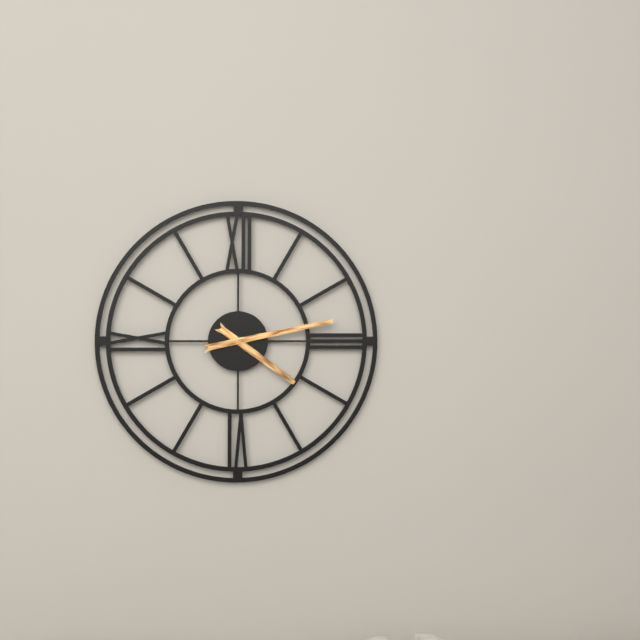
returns 4,13
